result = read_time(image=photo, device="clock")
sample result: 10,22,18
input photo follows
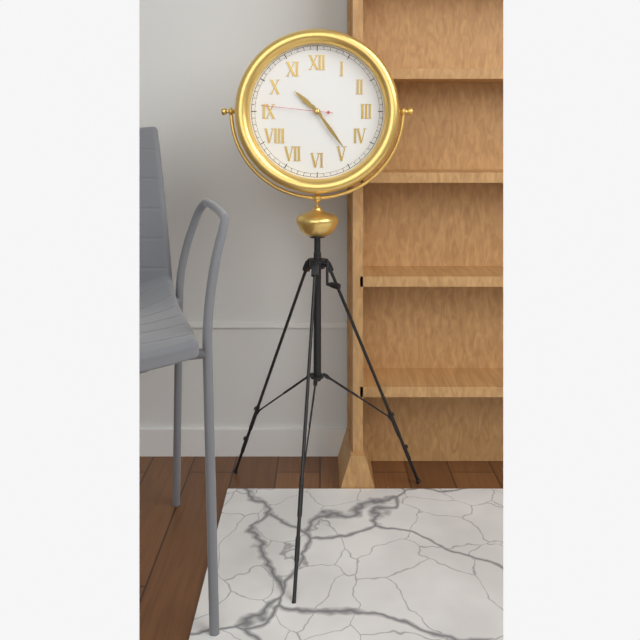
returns 10,24,46
